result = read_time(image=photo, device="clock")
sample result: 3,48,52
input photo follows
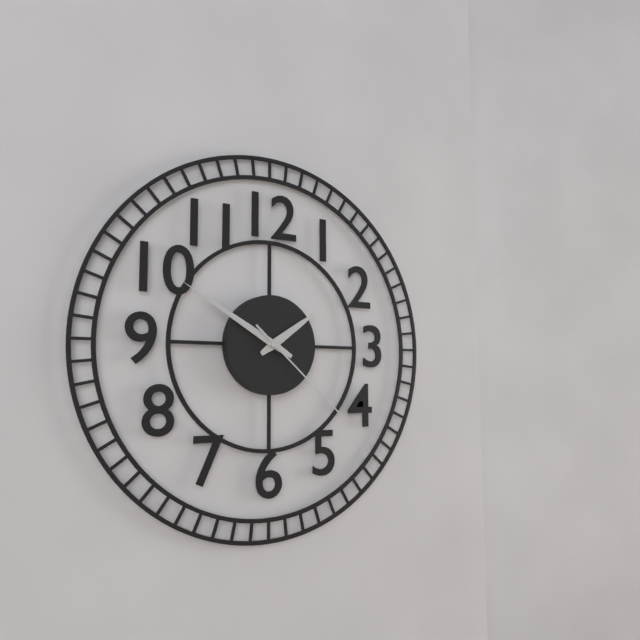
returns 1,50,22
